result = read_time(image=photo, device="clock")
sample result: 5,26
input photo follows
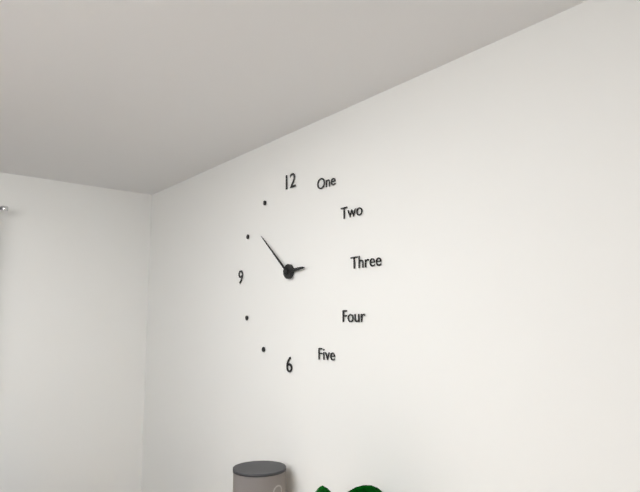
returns 2,52
